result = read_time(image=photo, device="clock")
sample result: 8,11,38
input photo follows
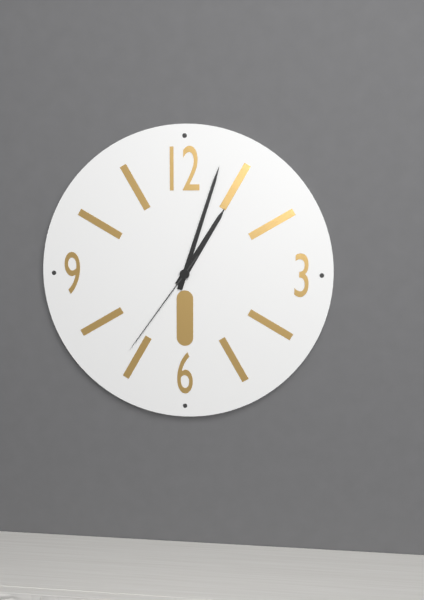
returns 1,03,36
